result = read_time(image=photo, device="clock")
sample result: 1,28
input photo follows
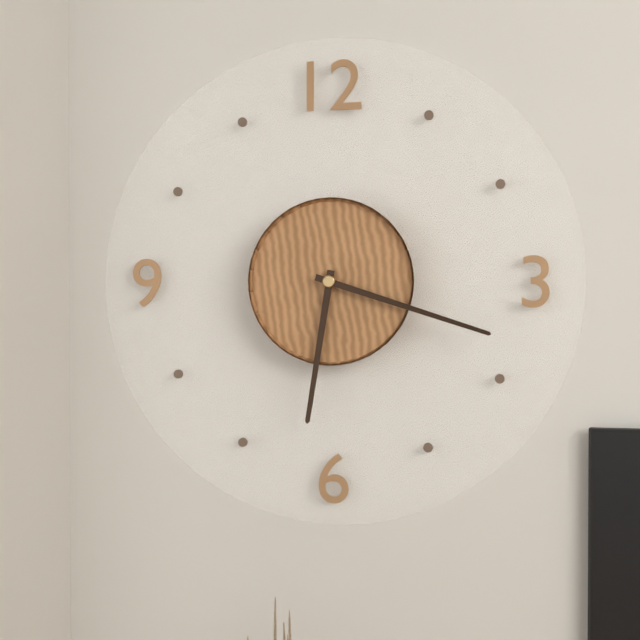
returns 6,18
